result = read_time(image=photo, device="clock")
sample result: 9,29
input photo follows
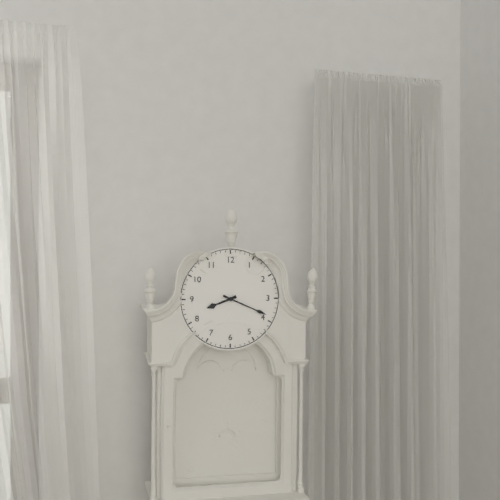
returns 8,19
